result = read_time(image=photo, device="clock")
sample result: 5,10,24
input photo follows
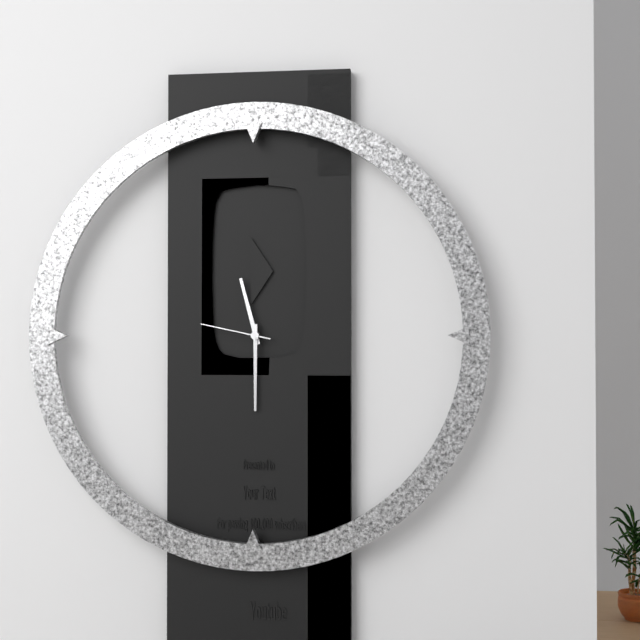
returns 11,30,47
